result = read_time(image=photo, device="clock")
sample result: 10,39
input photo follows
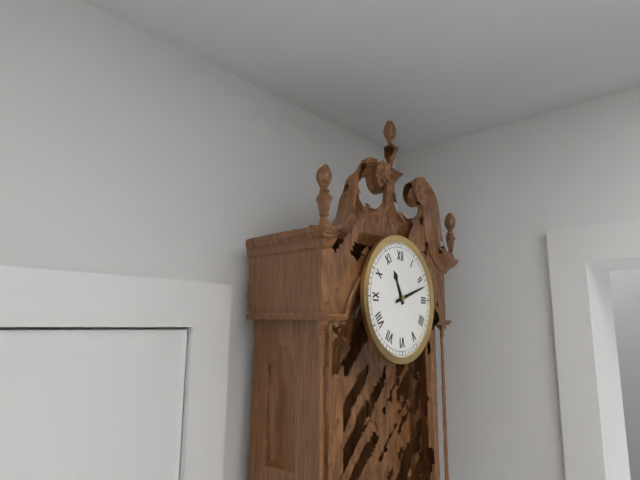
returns 11,12
